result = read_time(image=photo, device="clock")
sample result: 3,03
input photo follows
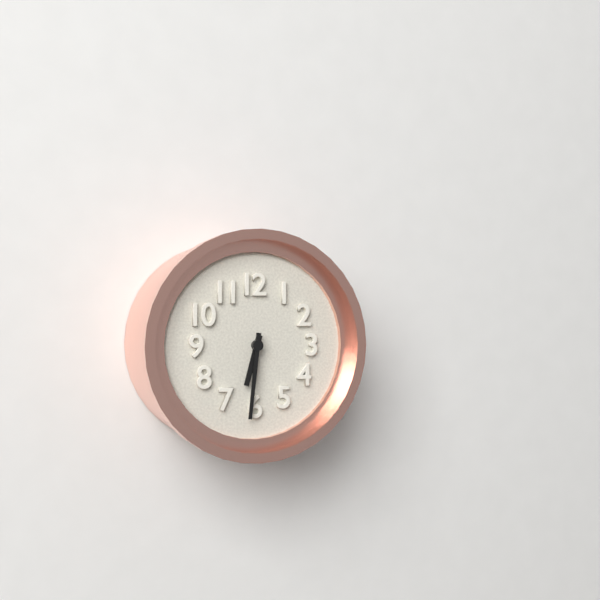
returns 6,31
